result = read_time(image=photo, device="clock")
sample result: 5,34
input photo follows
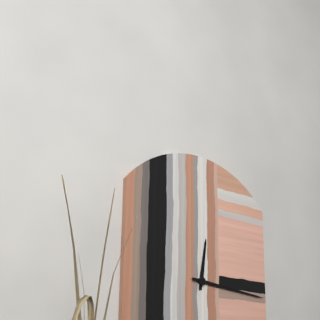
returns 12,16
